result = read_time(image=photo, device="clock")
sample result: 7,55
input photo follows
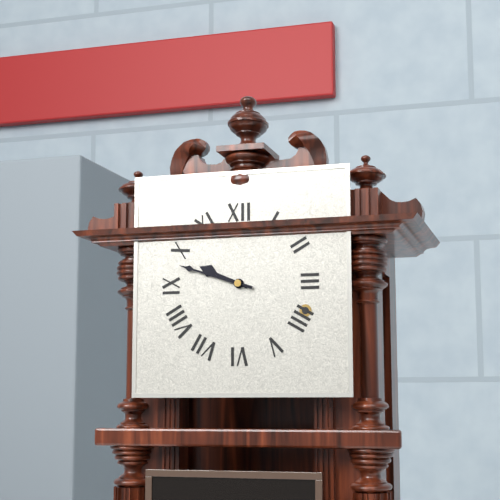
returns 9,48
